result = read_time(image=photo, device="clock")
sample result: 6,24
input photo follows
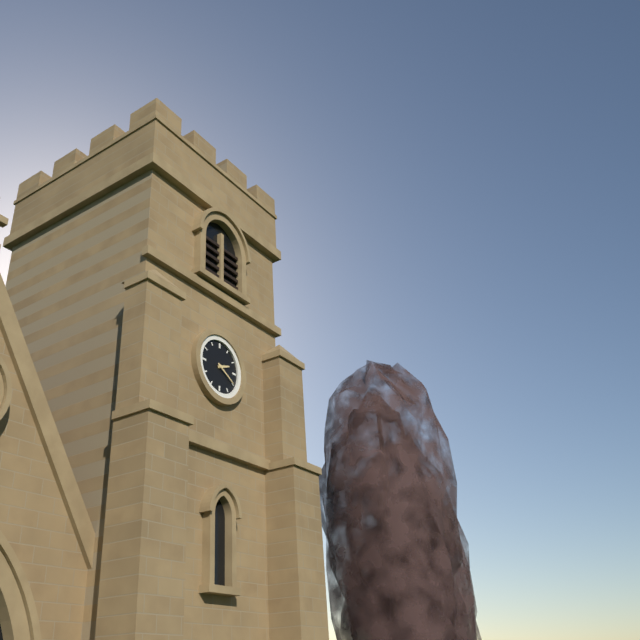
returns 2,20
